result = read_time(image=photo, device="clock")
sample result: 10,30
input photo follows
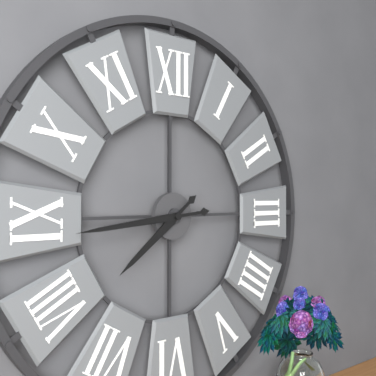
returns 7,44
